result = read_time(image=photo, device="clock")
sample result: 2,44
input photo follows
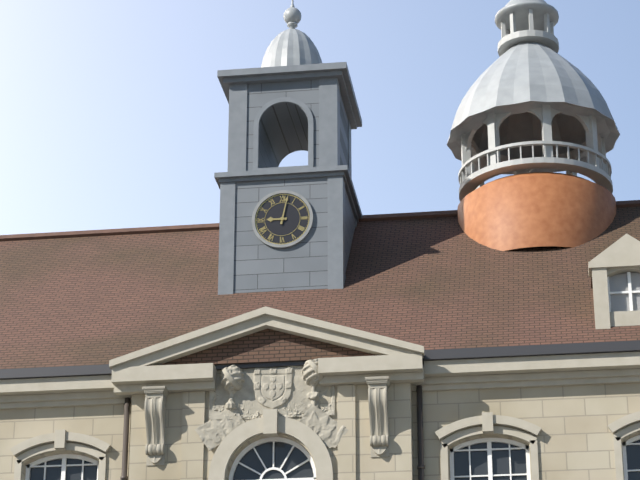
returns 9,02
